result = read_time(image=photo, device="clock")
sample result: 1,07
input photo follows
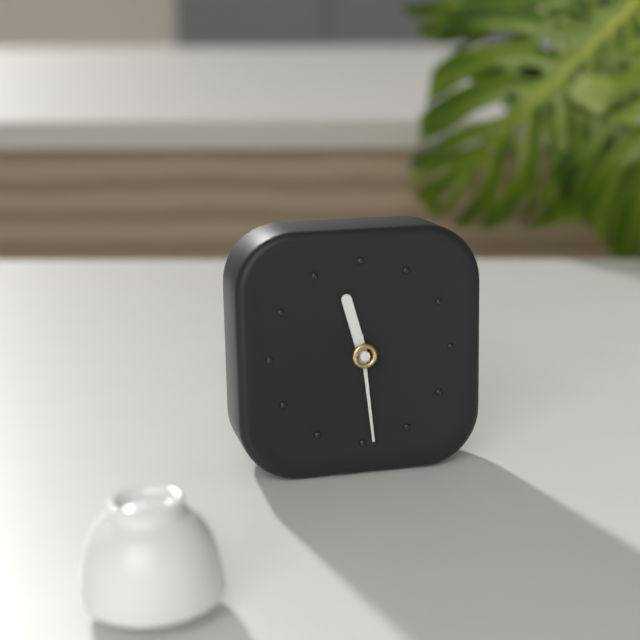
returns 11,29
